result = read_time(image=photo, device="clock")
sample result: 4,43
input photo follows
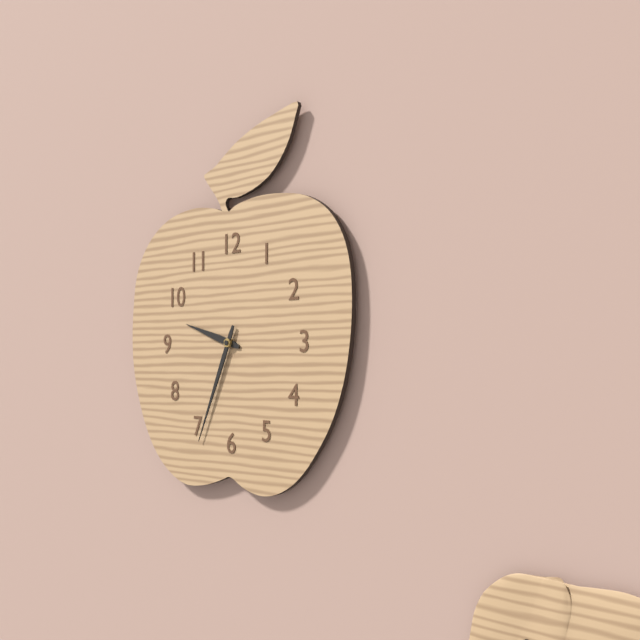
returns 9,34
